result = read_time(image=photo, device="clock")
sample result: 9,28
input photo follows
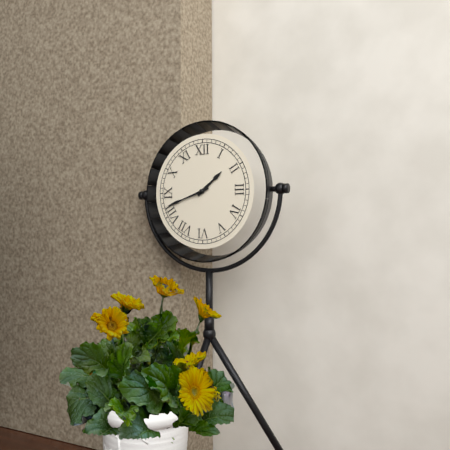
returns 1,42
